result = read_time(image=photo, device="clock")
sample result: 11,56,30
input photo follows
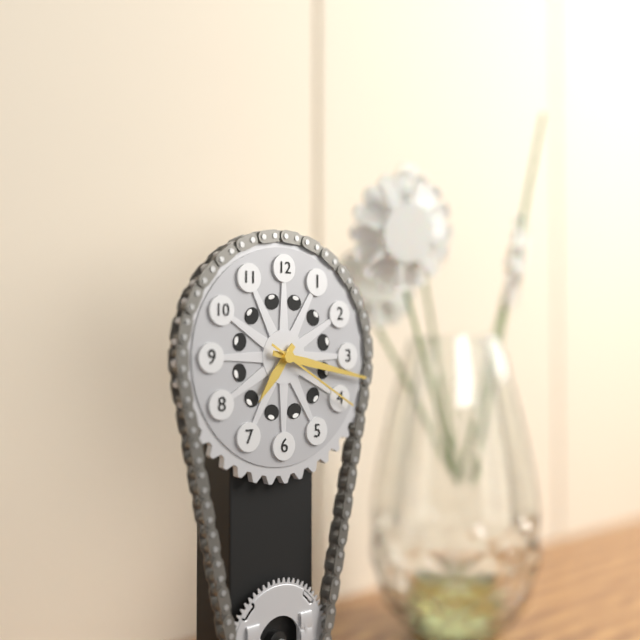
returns 7,17,20
